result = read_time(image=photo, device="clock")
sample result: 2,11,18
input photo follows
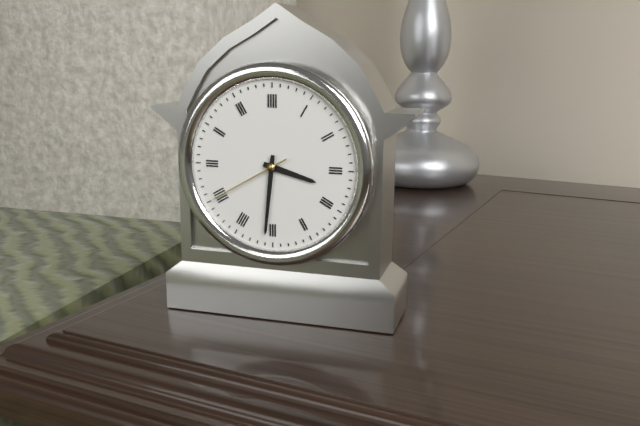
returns 3,31,40
